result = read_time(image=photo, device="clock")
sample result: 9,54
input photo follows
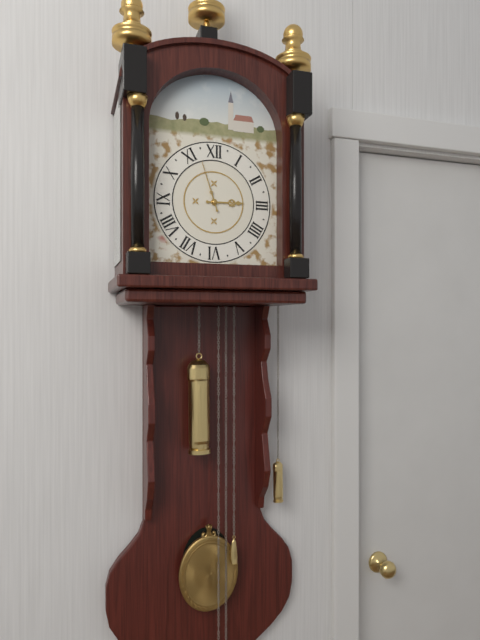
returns 2,57
